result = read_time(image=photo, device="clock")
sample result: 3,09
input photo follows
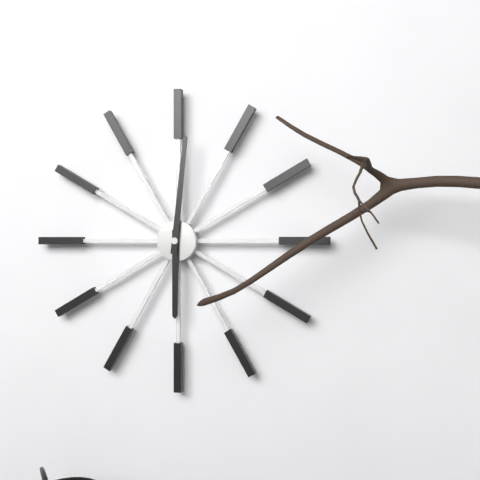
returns 6,01
